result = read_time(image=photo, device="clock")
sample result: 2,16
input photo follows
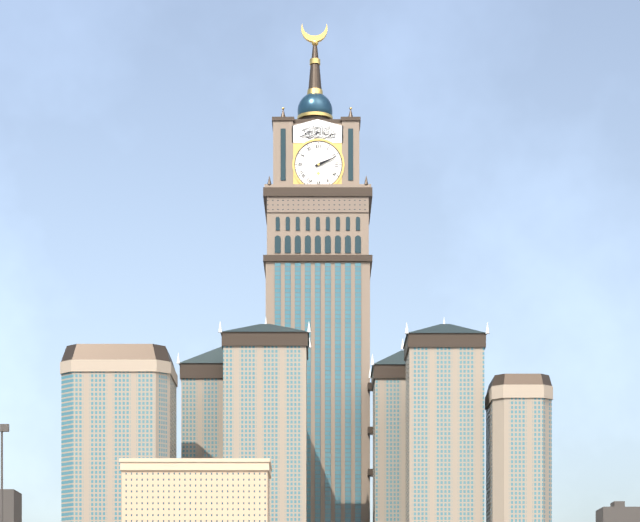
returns 2,11
